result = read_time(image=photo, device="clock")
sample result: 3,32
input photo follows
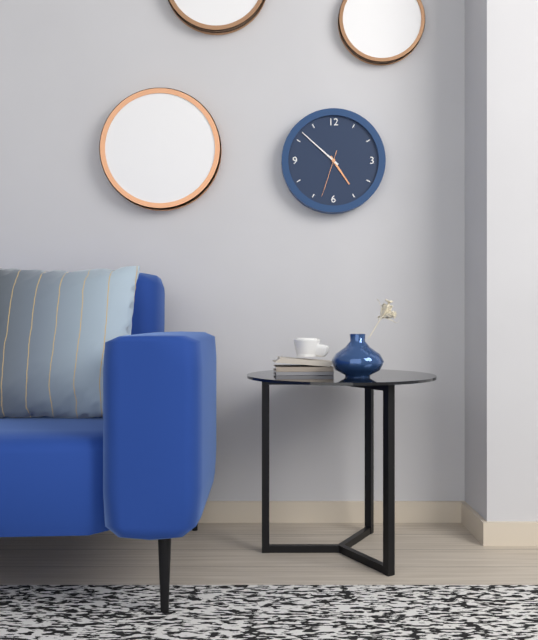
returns 4,52
